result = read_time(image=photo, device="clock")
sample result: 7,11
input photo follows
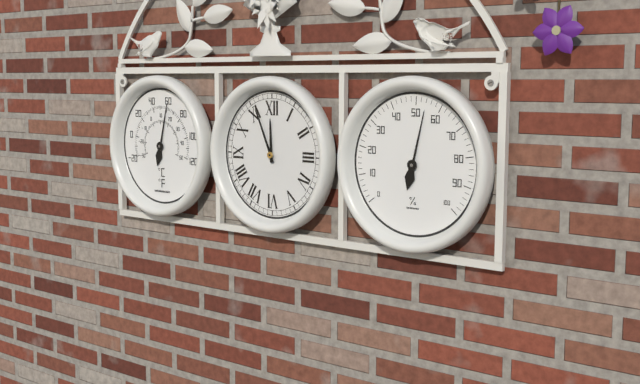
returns 11,56
